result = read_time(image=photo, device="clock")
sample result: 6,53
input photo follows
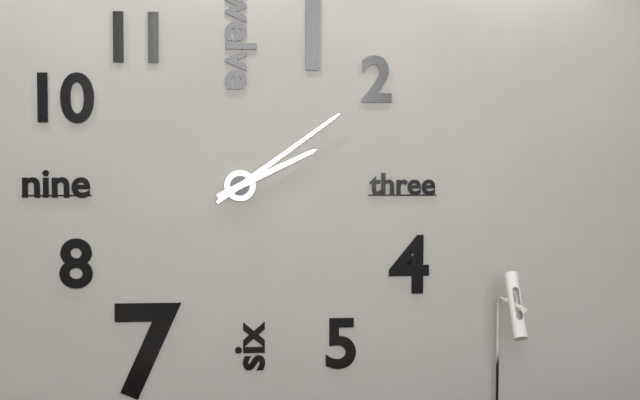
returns 2,09
